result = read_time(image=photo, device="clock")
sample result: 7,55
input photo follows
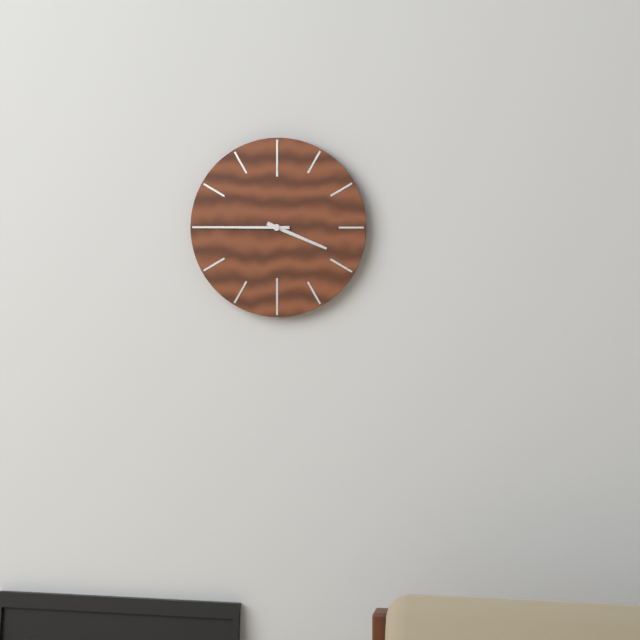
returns 3,45
